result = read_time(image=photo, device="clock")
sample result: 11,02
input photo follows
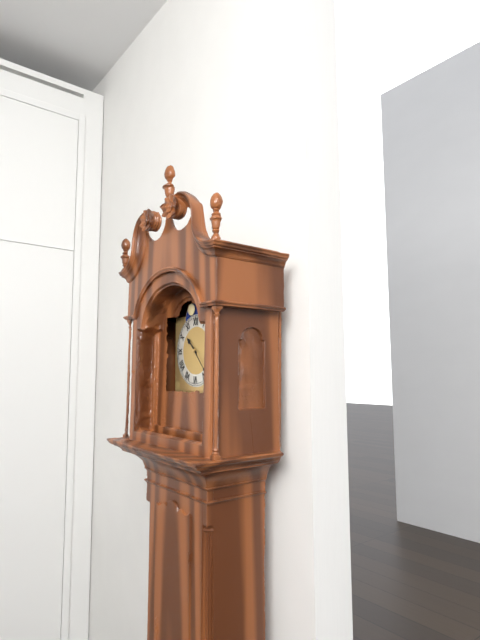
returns 10,23
